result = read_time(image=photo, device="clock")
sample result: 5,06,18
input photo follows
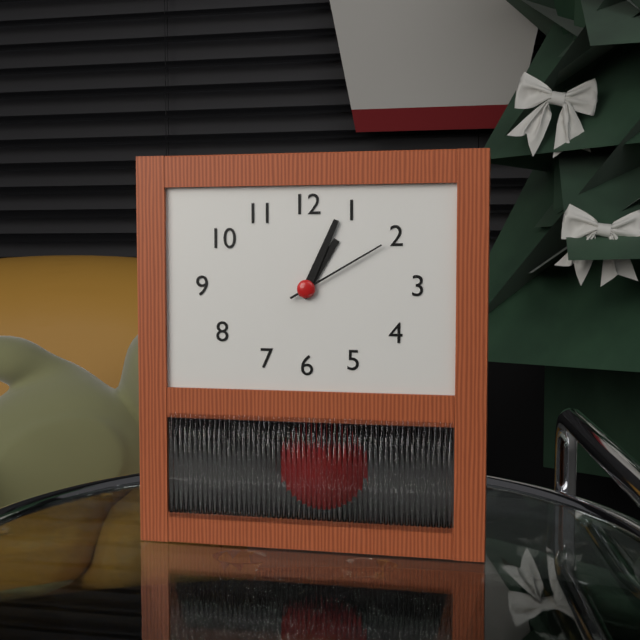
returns 1,04,10
